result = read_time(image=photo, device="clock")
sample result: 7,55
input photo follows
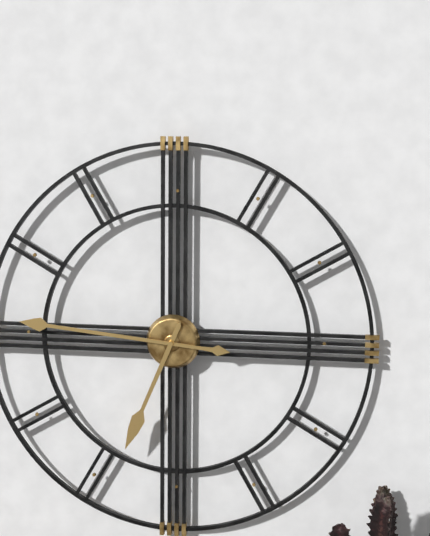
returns 6,46
